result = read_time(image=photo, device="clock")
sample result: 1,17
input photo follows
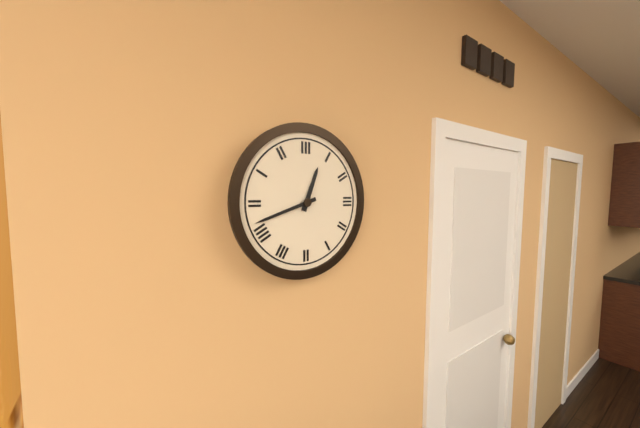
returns 12,42
